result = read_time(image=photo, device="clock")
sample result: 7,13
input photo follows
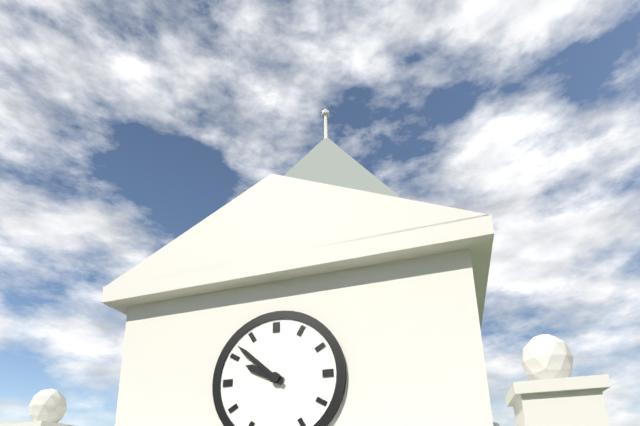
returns 9,52
